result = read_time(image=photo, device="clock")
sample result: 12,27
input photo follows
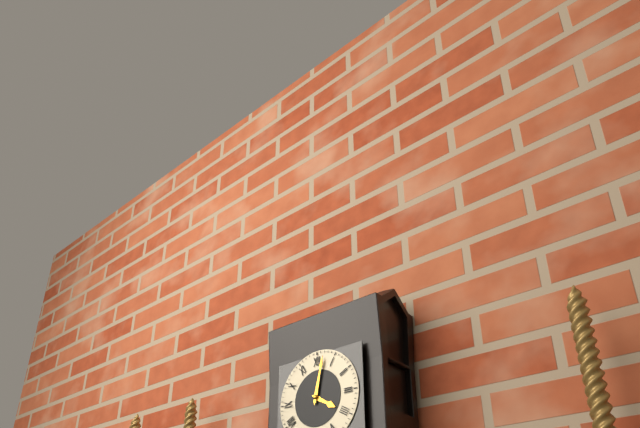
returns 4,02
